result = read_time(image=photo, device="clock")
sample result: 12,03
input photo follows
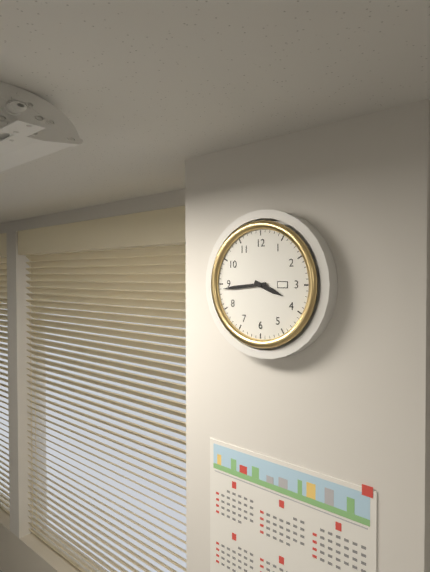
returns 3,44
